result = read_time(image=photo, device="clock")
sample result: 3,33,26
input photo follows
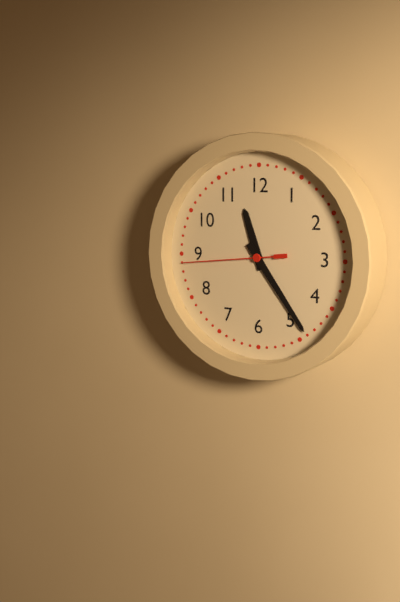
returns 11,24,44
